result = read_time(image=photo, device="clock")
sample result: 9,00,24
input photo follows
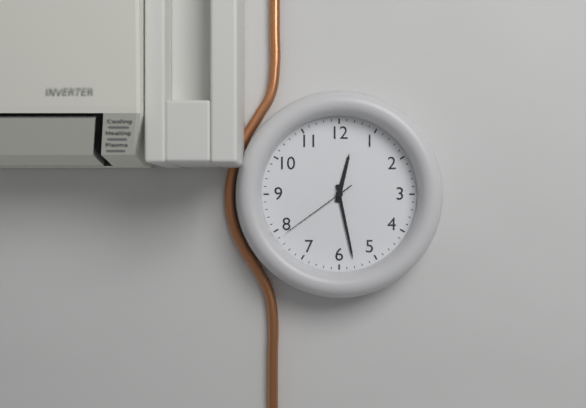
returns 12,28,39
